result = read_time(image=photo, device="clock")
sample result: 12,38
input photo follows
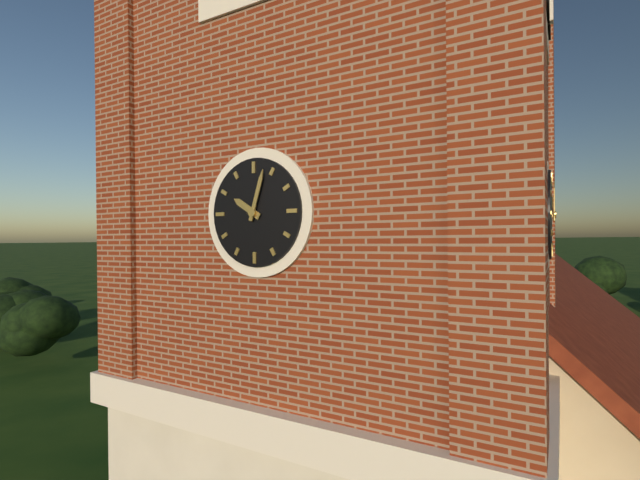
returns 10,03
